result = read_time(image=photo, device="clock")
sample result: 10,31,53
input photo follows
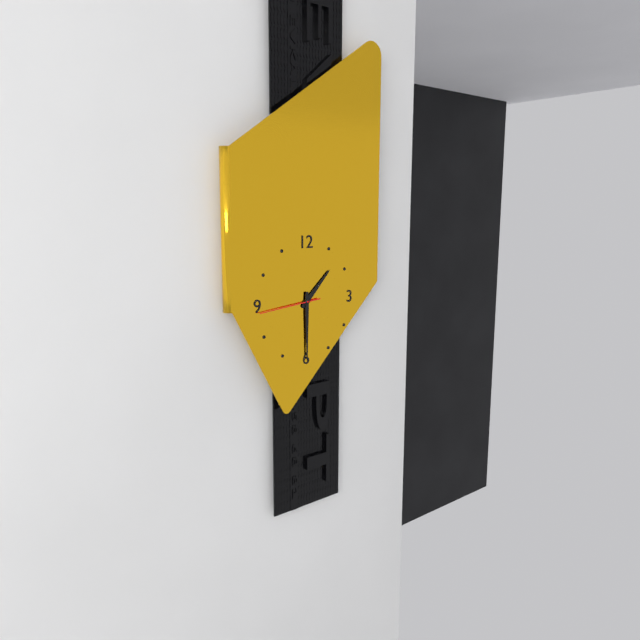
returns 1,30,44
